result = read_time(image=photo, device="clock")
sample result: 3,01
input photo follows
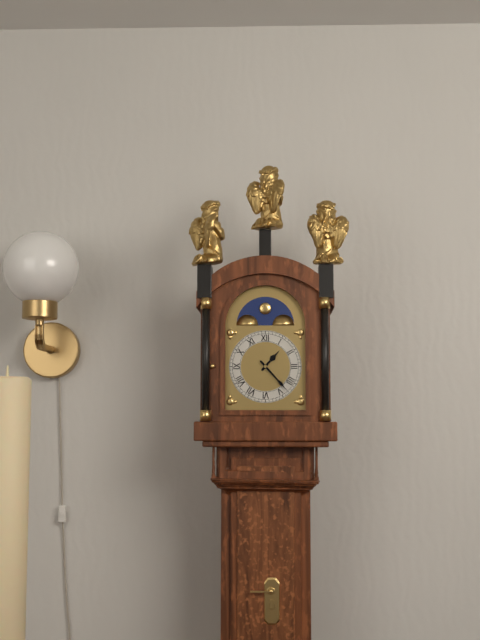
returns 1,23
